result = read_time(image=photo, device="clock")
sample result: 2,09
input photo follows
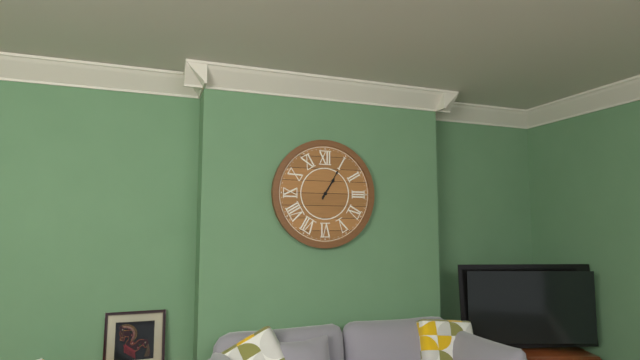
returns 1,05
